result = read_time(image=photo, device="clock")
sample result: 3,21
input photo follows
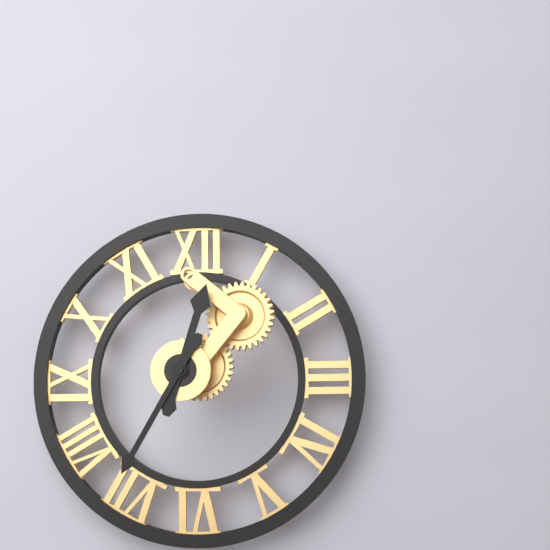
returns 12,35
